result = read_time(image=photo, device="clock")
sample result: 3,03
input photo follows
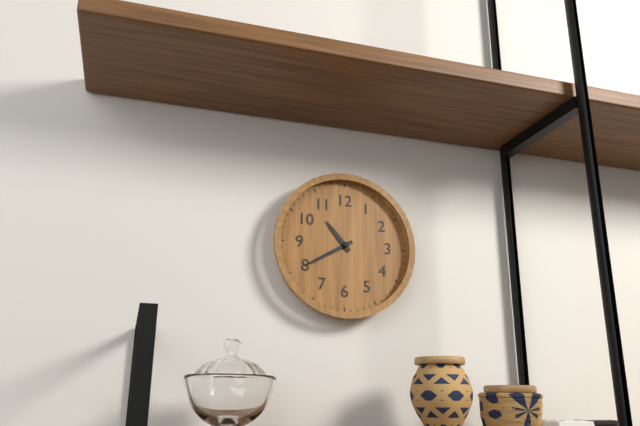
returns 10,40
